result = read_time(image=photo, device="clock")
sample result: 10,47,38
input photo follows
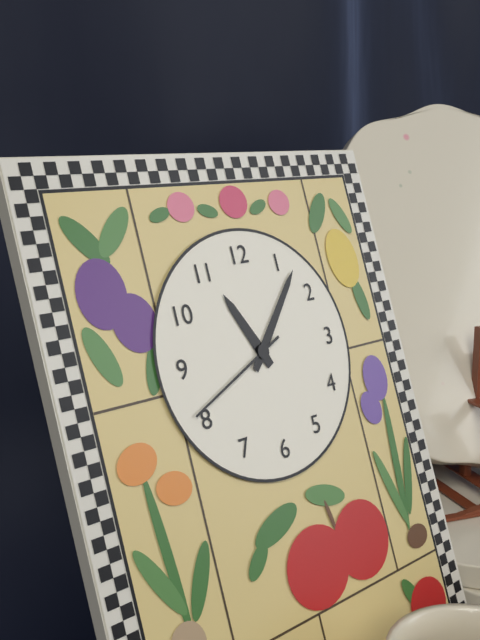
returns 11,07,41
